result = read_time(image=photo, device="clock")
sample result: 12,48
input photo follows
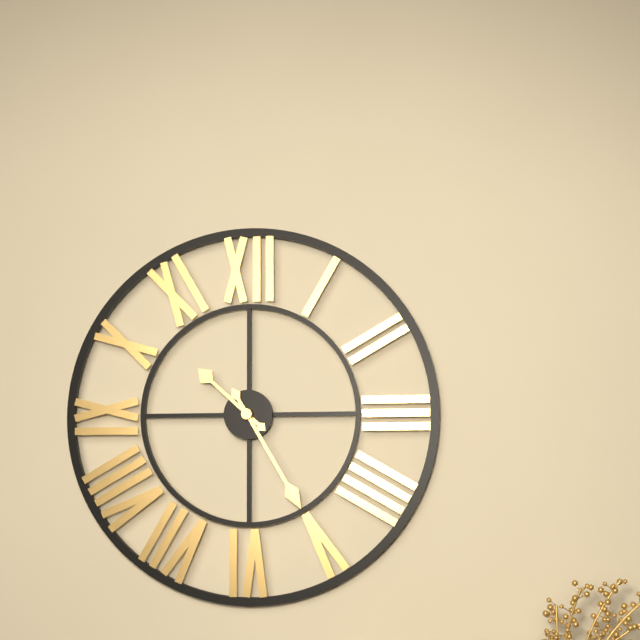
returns 10,25
